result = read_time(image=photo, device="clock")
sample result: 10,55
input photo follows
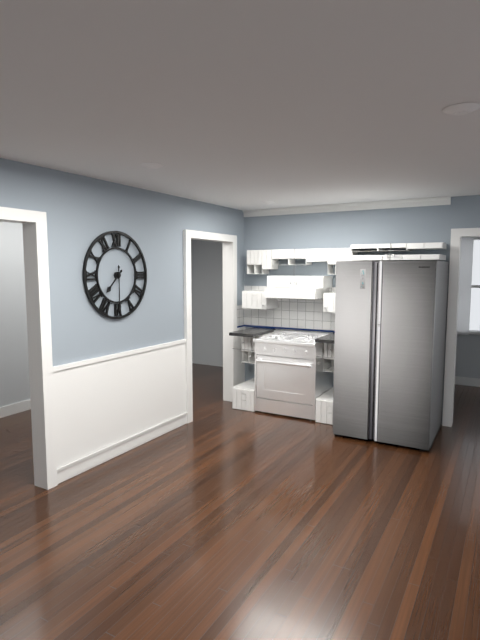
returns 7,30
